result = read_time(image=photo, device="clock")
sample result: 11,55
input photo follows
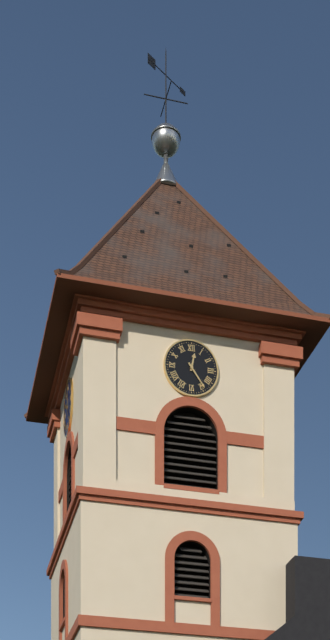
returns 12,24
